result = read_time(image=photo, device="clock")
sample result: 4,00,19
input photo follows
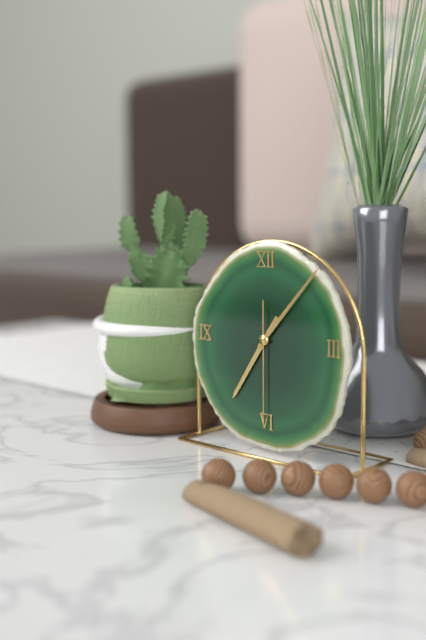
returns 7,07,30
